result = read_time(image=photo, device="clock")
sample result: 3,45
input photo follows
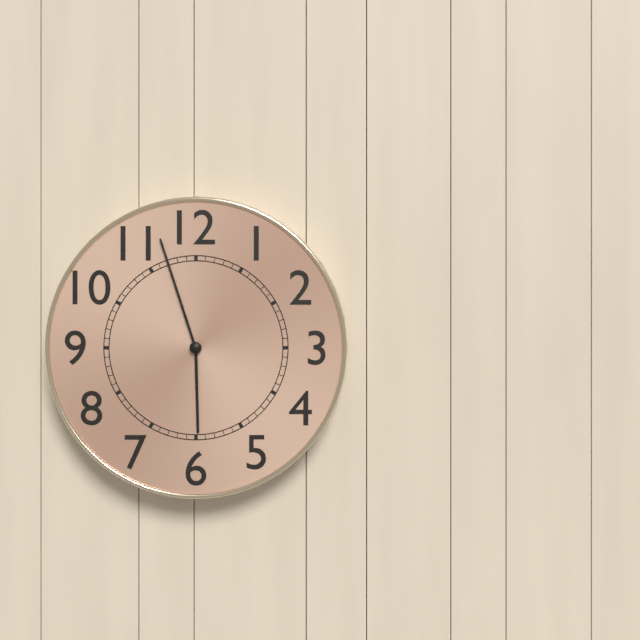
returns 5,57
